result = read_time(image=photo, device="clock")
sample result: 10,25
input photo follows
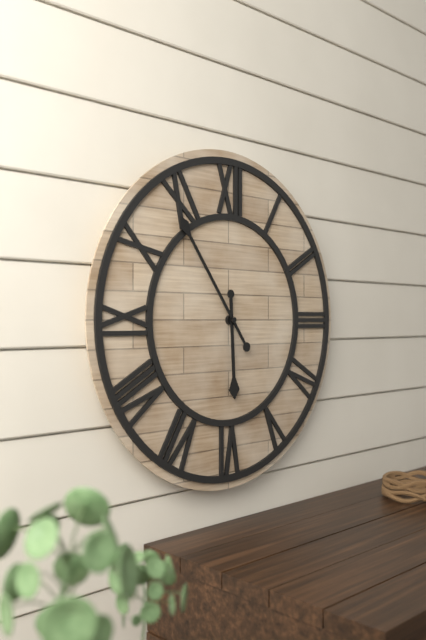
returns 5,54
